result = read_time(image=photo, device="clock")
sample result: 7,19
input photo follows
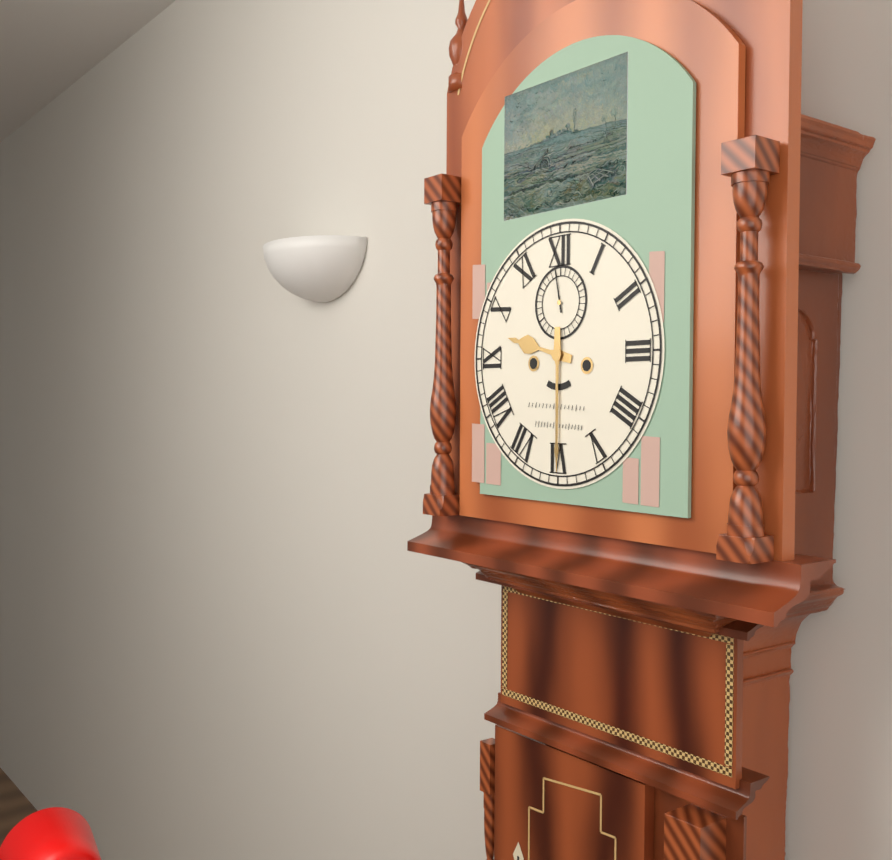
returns 9,30
